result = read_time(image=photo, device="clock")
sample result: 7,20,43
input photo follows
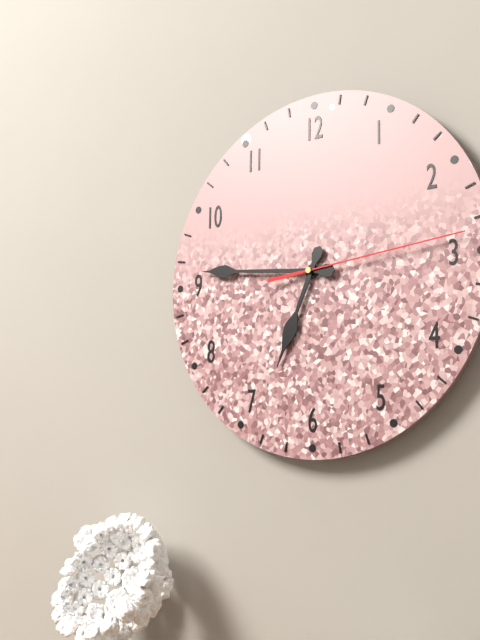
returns 6,46,14
